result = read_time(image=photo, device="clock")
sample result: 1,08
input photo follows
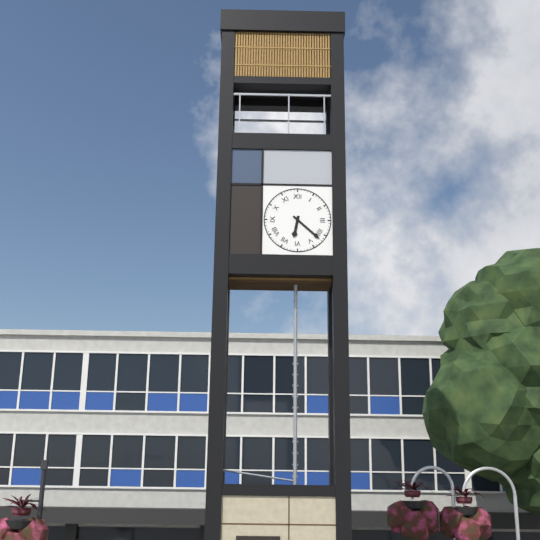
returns 6,22
